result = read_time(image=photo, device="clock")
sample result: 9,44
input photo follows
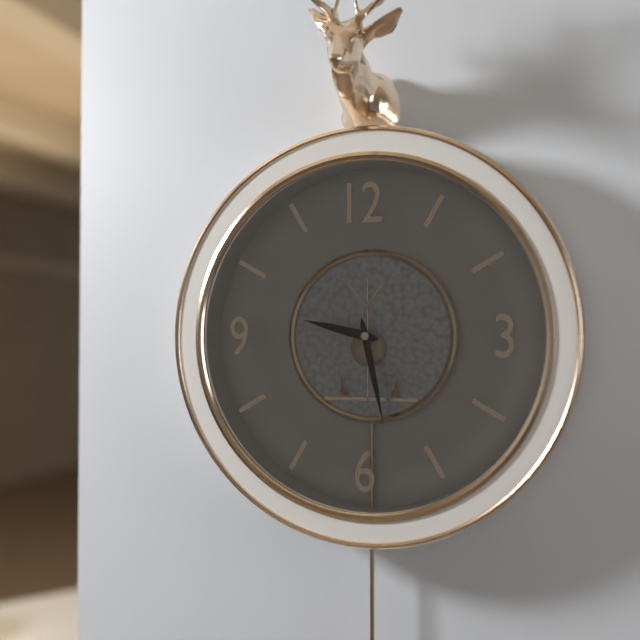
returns 9,28
